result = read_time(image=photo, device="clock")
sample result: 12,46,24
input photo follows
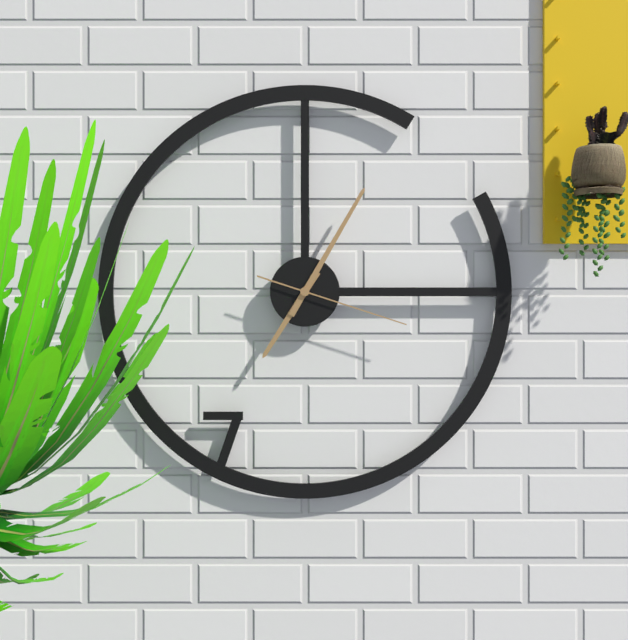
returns 7,05,18
